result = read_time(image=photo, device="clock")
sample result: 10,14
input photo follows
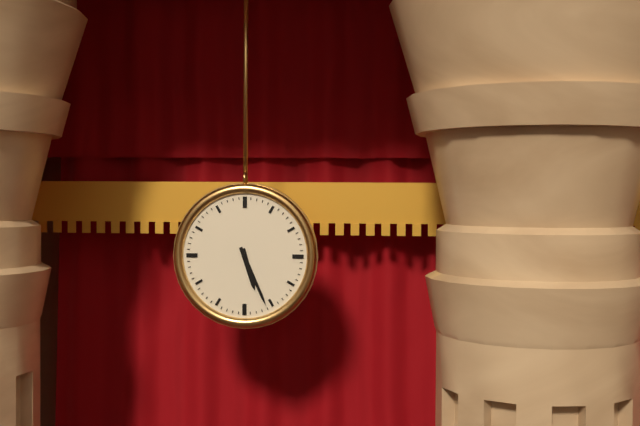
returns 5,26
